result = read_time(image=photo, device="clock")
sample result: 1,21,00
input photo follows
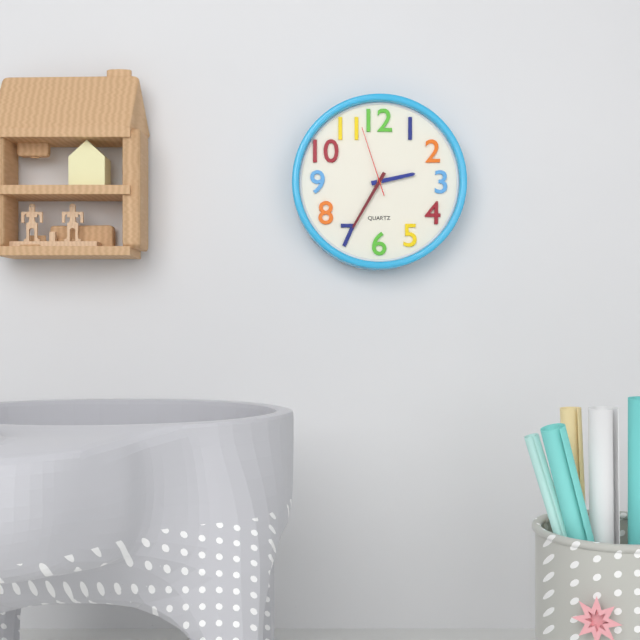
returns 2,35,57
